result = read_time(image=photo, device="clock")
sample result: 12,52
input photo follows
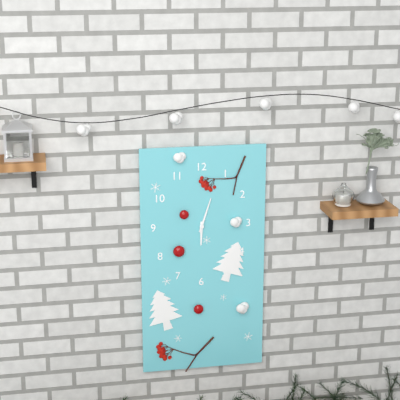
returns 6,03
